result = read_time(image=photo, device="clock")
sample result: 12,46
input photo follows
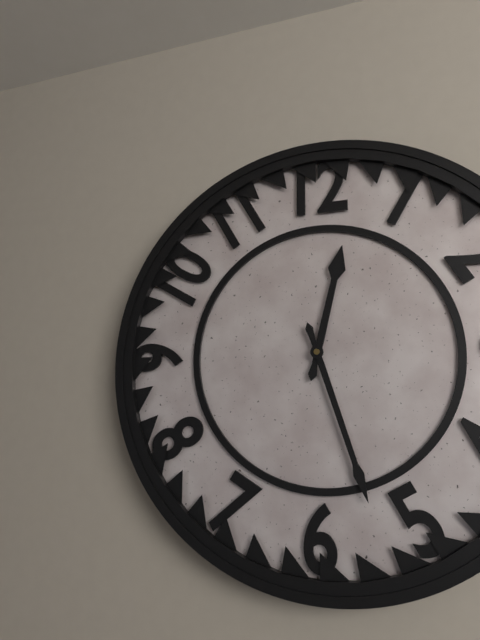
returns 12,27
